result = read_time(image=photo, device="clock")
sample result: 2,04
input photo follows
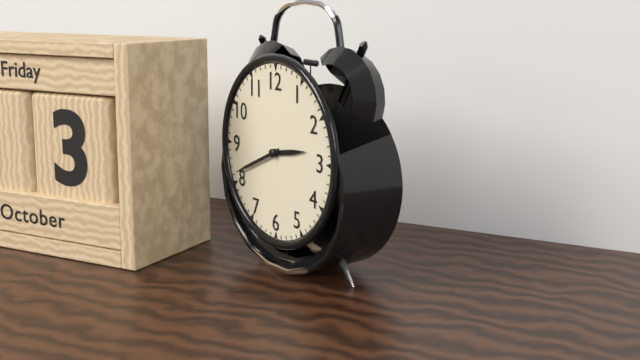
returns 2,41
